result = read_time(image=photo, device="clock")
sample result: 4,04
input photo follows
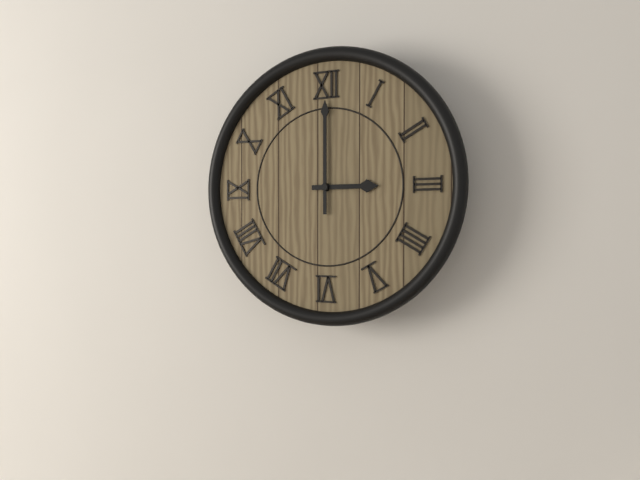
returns 3,00
